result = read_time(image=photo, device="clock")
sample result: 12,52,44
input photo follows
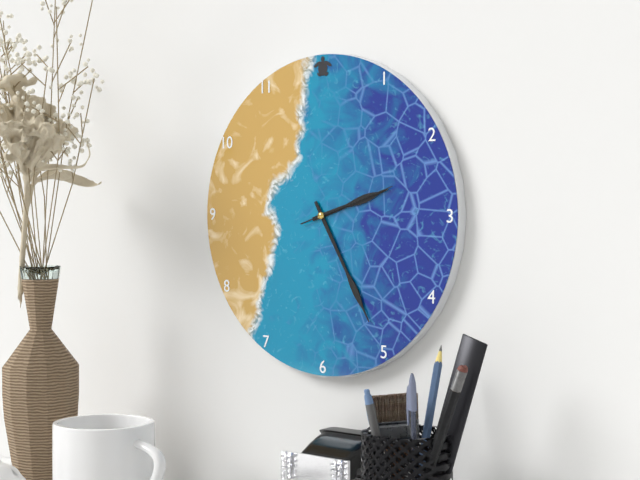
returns 2,25,12
